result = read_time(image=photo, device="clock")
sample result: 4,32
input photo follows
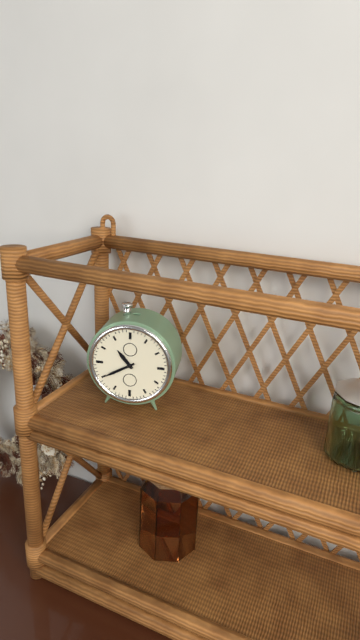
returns 10,40
